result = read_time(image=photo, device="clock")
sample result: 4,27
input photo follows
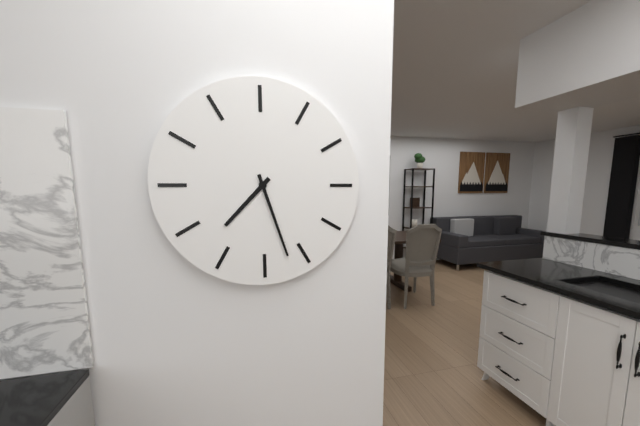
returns 7,27
